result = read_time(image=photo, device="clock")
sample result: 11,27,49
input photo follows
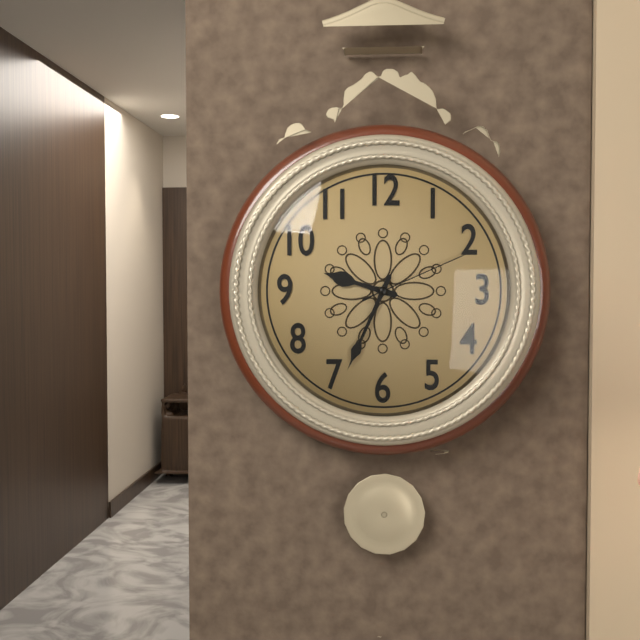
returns 9,34,11
